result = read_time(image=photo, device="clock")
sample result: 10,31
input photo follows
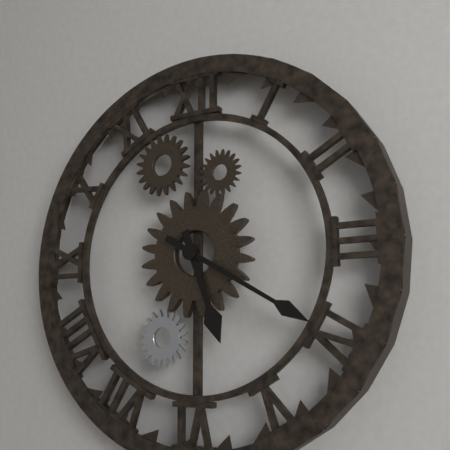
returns 5,20
